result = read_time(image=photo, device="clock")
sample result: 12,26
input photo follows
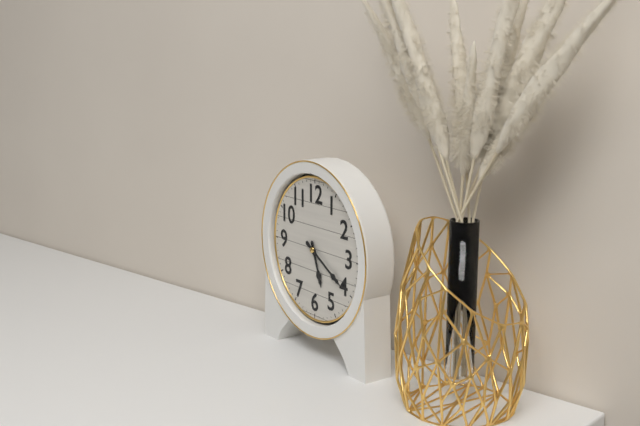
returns 5,20
